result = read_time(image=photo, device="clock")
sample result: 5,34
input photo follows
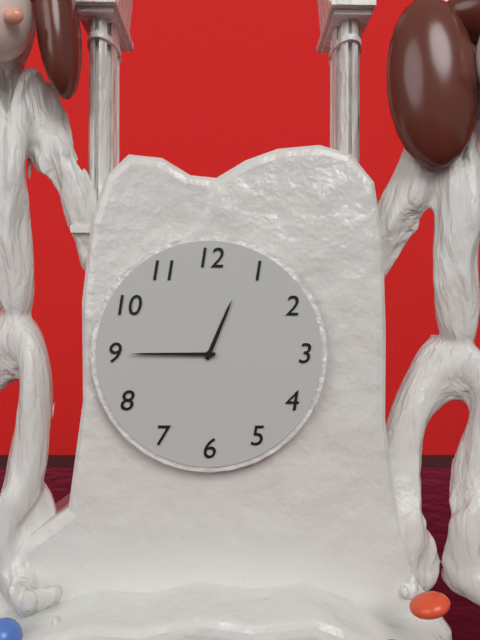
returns 12,45
